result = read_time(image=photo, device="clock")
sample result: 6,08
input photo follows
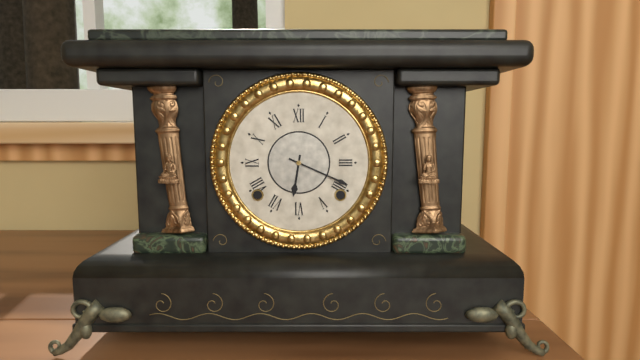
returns 6,19
